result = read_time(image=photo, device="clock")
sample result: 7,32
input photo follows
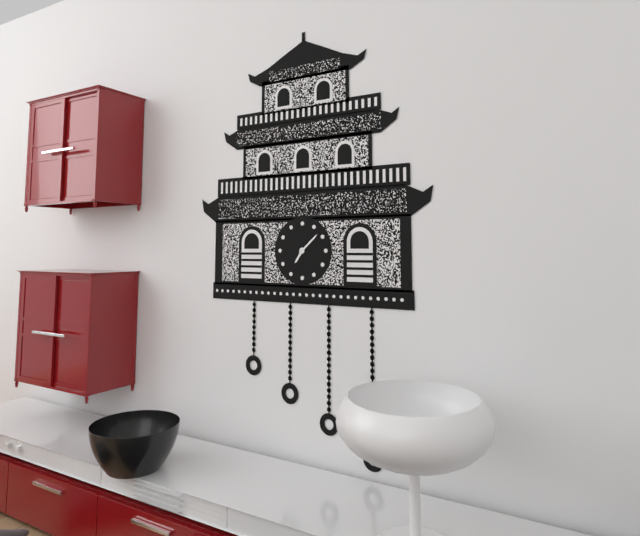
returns 7,08
